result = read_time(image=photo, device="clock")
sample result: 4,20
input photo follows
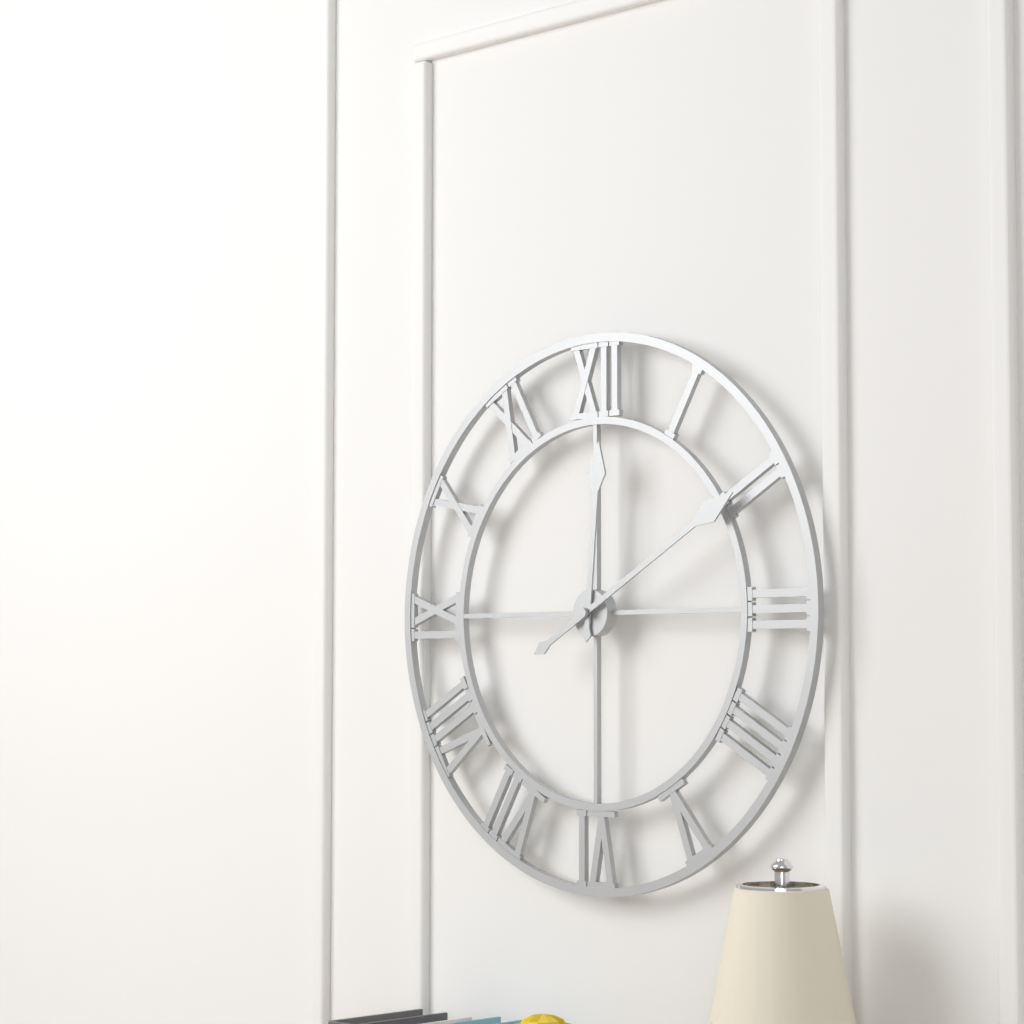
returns 12,10
